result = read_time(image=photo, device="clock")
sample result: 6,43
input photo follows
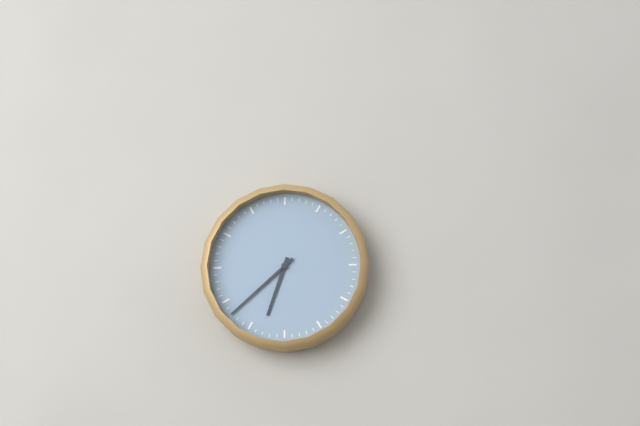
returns 6,38
